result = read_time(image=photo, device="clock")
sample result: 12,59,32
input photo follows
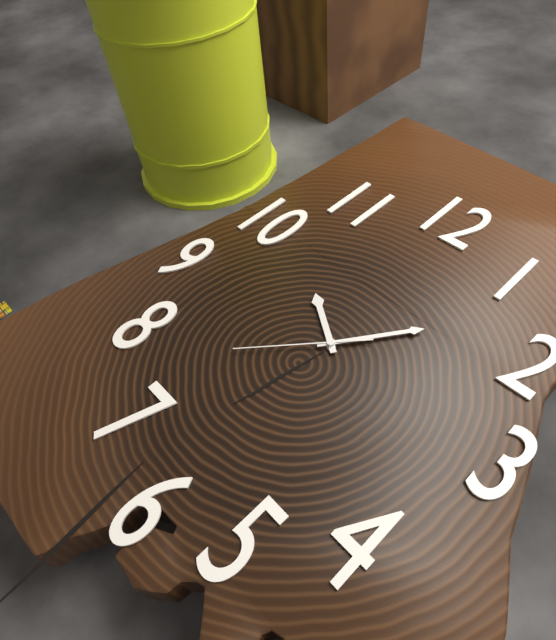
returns 10,06,37
